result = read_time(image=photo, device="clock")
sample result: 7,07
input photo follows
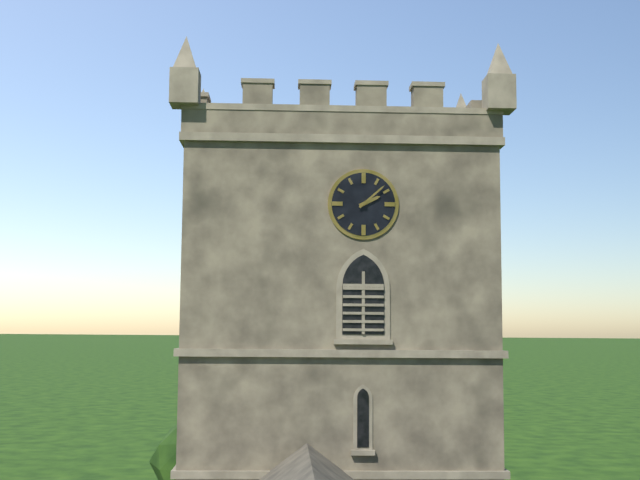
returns 2,08
